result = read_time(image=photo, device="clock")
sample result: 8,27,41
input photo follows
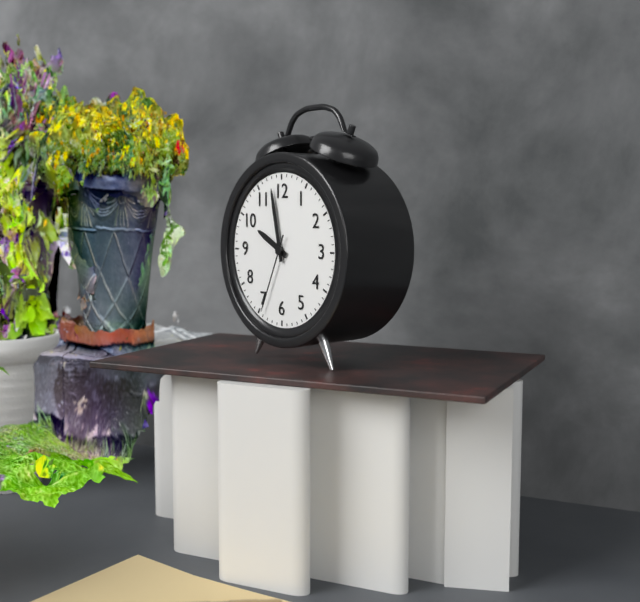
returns 9,58,34
